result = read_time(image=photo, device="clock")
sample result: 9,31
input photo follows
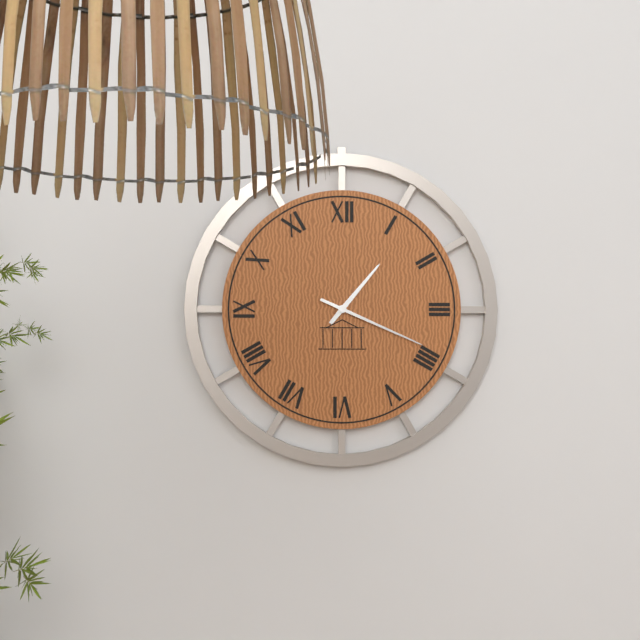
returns 1,19
